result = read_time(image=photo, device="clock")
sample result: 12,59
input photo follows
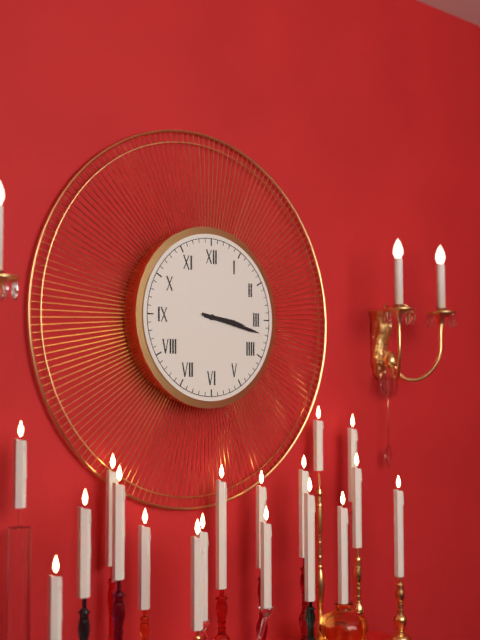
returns 3,17
